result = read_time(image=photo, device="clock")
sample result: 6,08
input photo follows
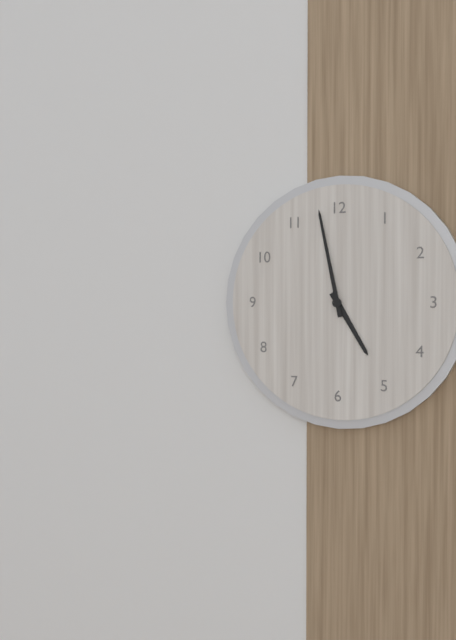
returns 4,58
